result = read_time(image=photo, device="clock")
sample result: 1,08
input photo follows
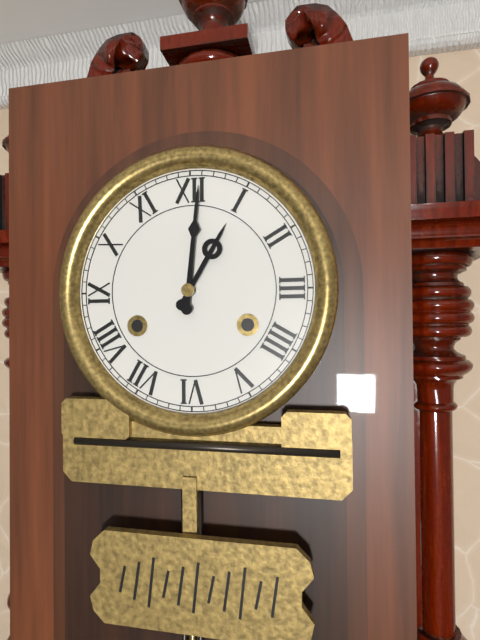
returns 1,01
